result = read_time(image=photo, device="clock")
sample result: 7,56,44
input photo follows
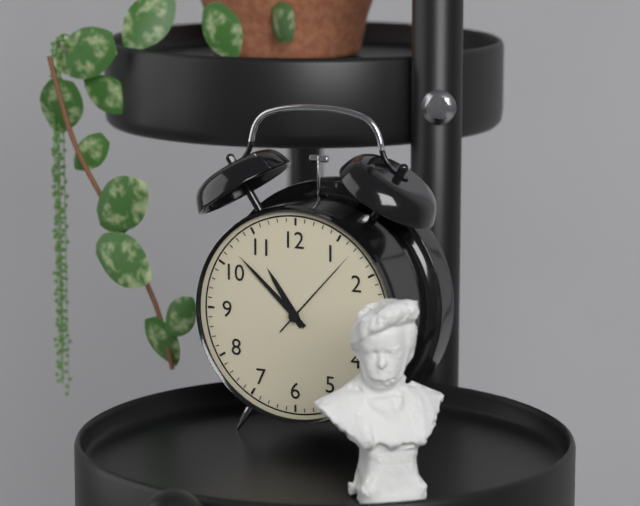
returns 10,52,07
